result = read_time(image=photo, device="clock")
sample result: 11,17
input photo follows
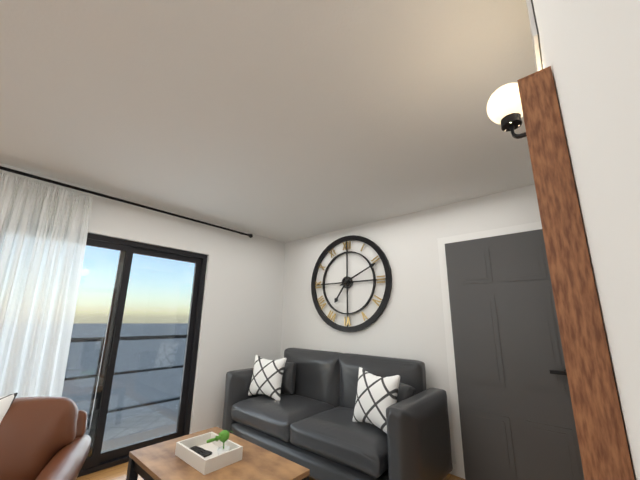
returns 7,11
